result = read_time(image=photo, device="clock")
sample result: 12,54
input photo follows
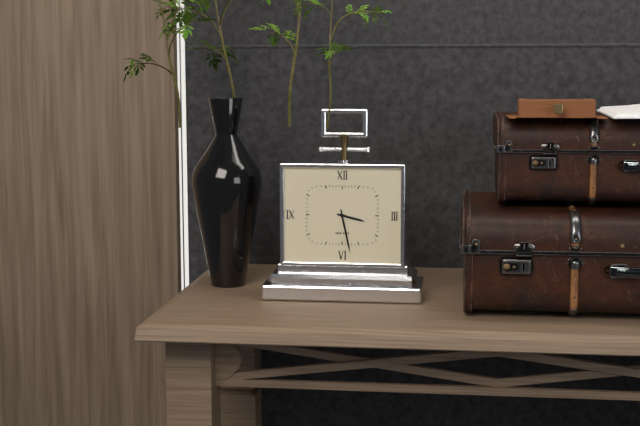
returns 3,28
